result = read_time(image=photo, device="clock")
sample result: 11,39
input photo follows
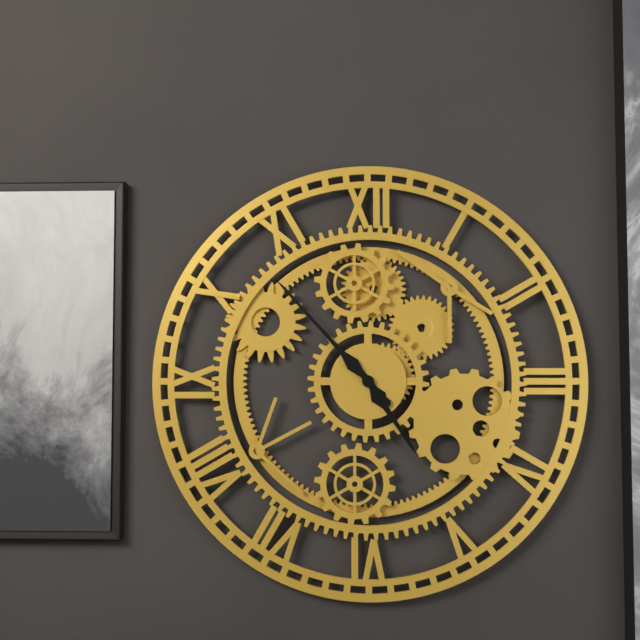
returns 4,53
